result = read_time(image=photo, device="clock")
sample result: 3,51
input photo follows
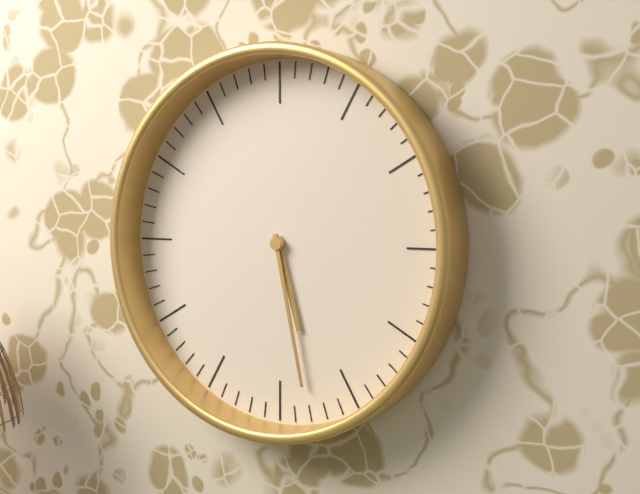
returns 5,28
